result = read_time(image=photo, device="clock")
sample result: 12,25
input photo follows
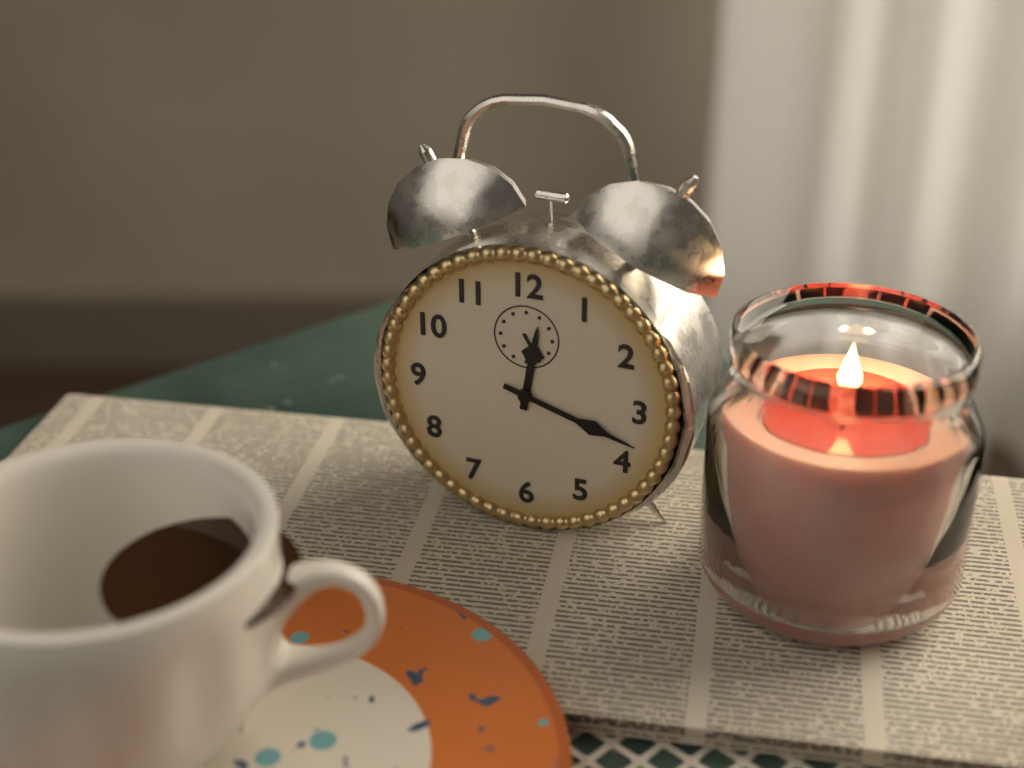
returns 12,18
